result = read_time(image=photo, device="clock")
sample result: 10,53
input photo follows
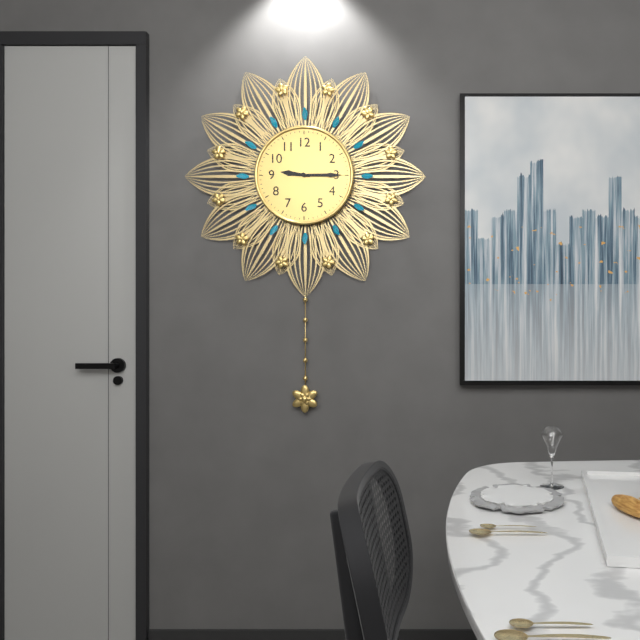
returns 9,15
